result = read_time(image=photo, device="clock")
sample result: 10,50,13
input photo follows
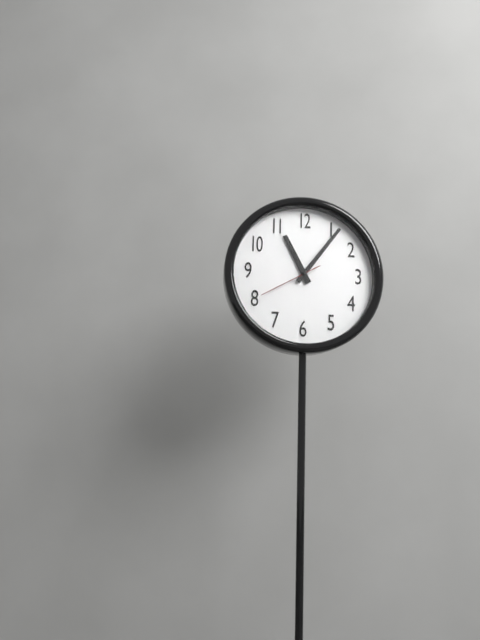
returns 11,06,40
